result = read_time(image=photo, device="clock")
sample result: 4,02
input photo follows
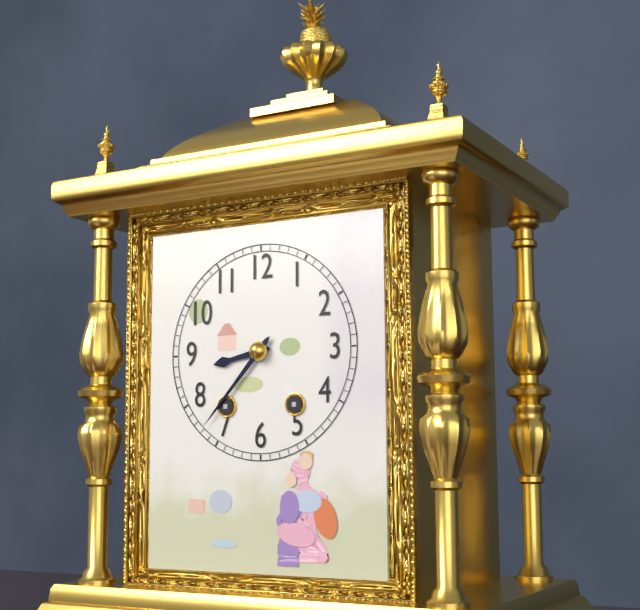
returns 8,37
